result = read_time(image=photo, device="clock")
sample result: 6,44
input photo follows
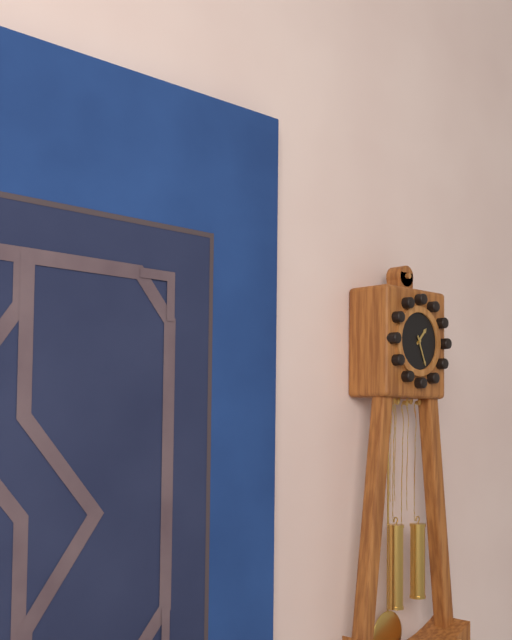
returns 1,26
